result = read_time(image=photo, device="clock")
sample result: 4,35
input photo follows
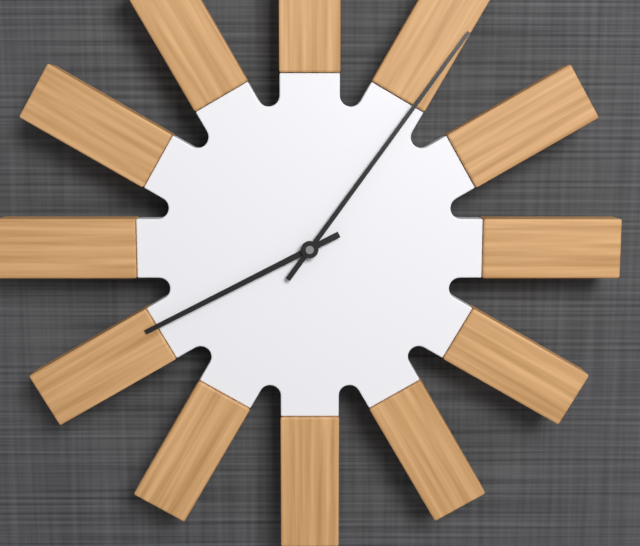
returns 8,06
